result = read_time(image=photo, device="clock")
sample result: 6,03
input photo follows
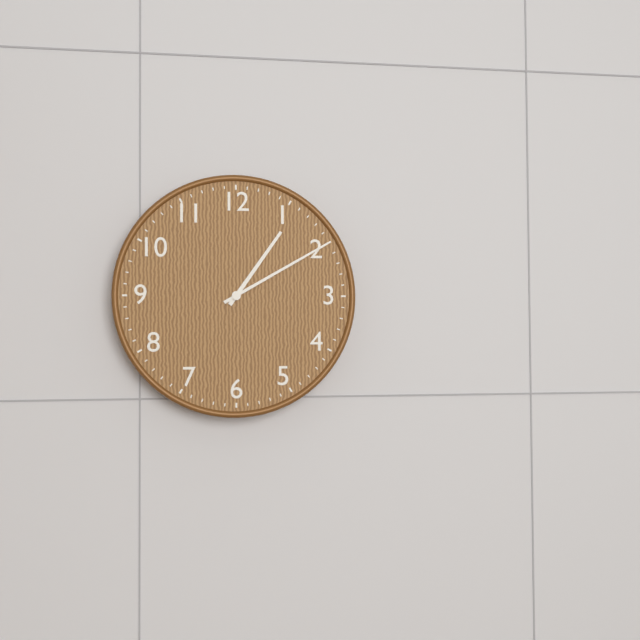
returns 1,10
